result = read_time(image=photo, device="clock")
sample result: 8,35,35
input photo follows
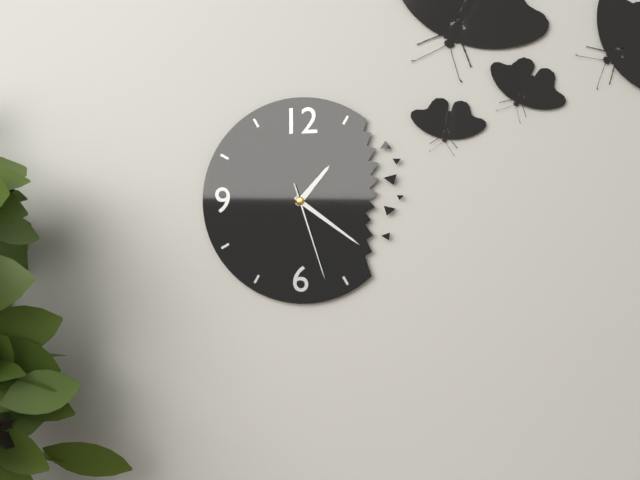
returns 1,21,27
